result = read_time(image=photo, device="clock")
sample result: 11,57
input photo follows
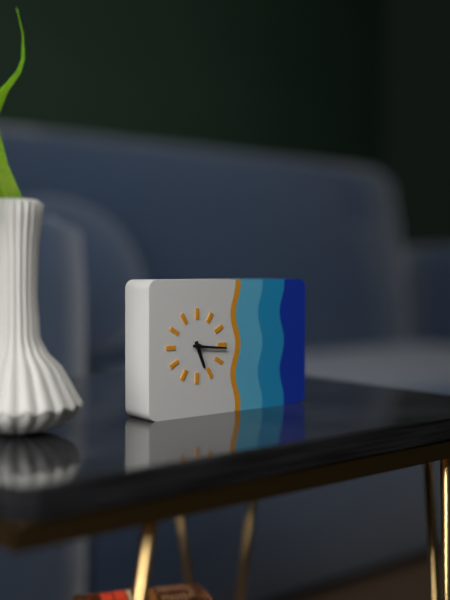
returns 5,16
